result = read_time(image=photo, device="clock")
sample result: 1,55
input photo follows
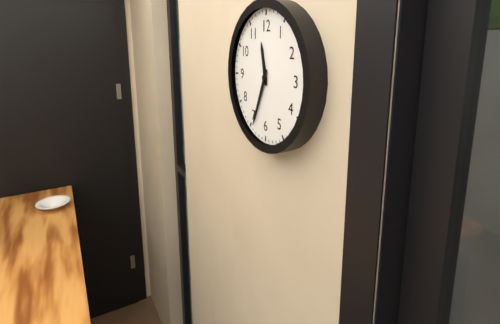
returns 11,34
